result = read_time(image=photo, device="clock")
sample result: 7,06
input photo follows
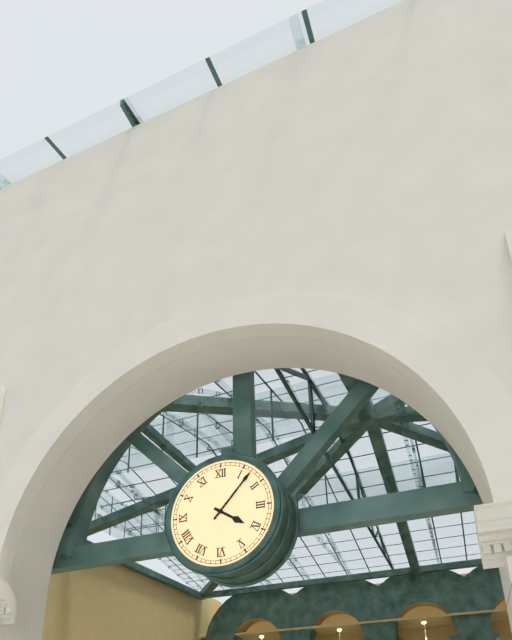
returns 4,07
